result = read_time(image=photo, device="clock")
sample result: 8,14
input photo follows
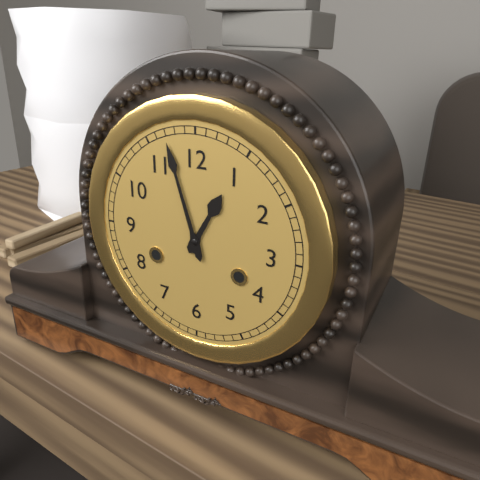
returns 12,57
